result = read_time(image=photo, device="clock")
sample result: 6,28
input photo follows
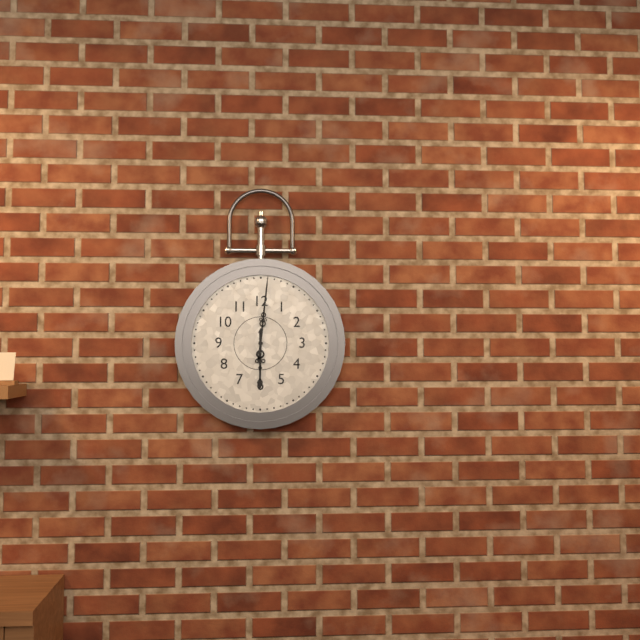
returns 6,01
